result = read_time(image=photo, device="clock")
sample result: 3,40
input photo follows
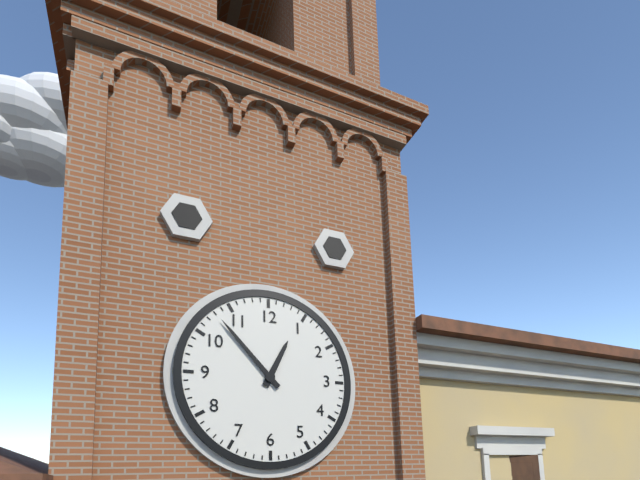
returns 12,53
